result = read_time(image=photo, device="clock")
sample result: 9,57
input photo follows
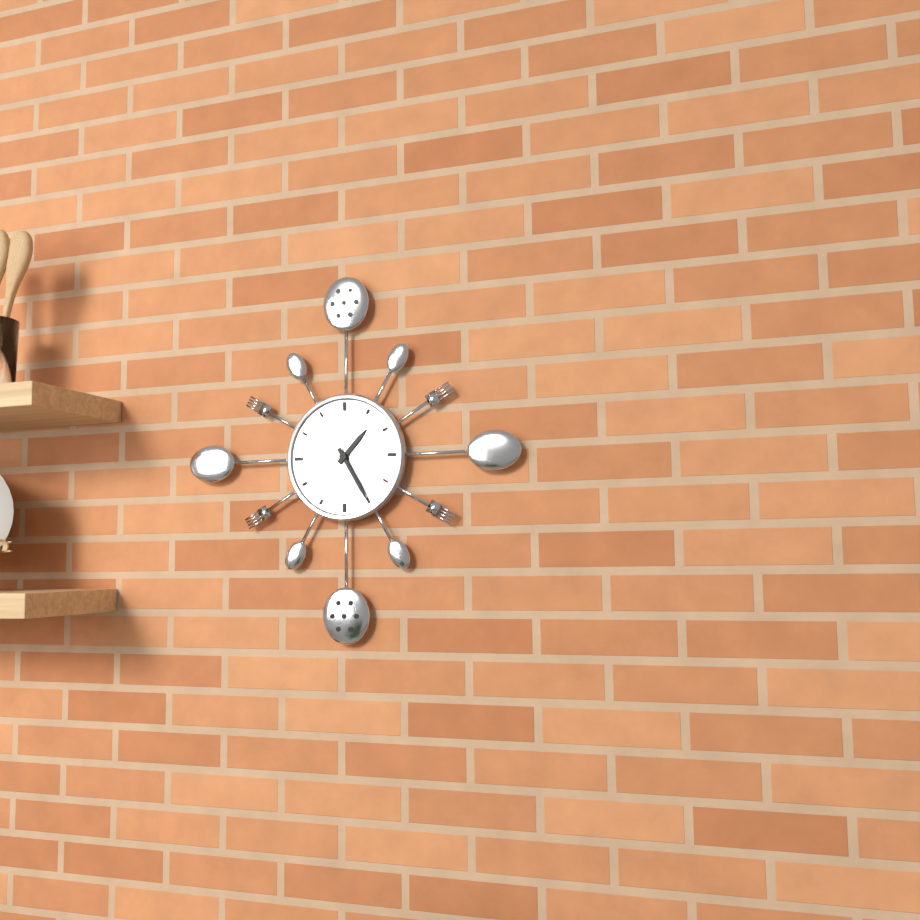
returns 1,25
